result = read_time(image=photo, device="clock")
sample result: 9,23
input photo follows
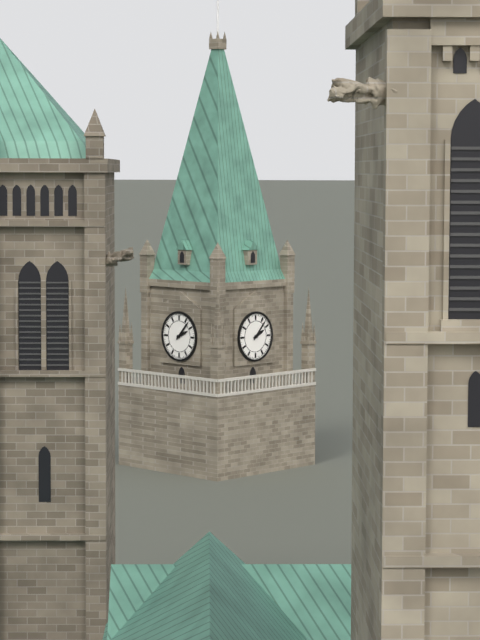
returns 2,07
